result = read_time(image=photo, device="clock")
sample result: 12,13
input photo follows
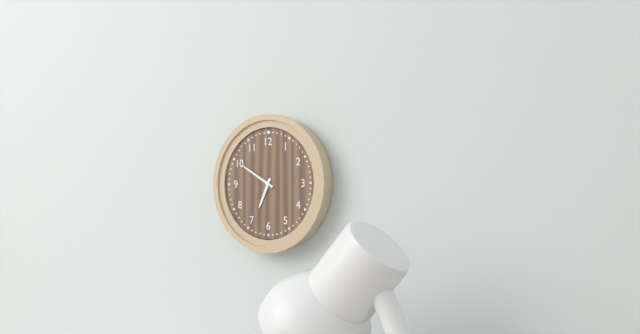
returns 6,50
